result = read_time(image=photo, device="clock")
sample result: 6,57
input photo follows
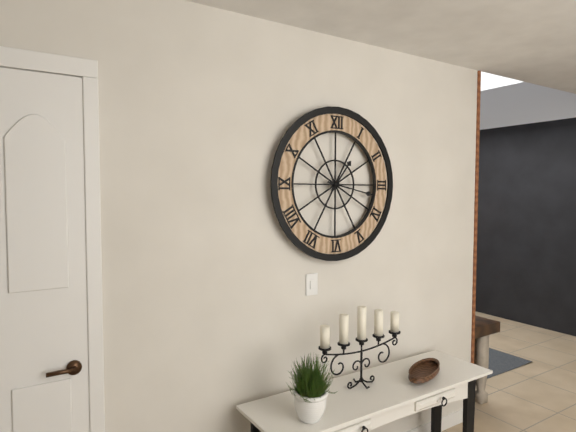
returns 1,17
